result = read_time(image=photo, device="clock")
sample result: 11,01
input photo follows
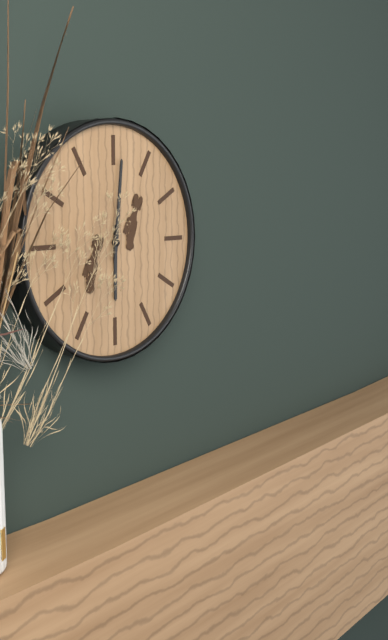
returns 6,01
